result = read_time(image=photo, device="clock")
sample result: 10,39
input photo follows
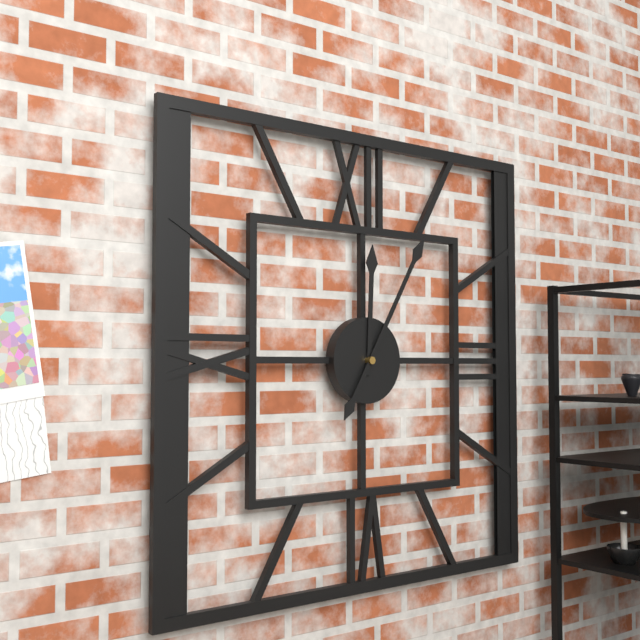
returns 12,05
